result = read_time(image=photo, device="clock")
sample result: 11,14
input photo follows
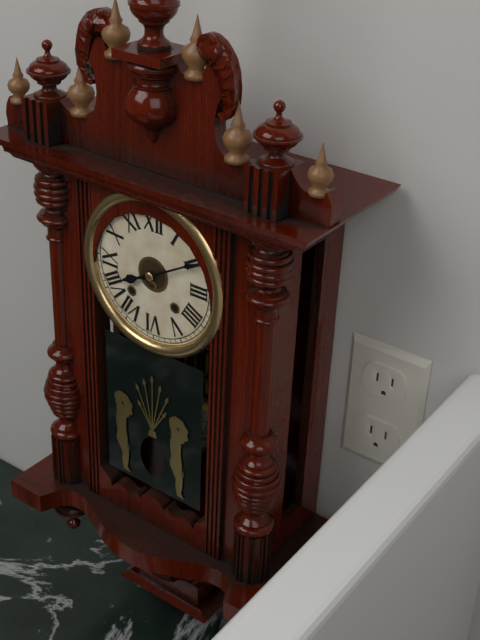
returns 8,10
